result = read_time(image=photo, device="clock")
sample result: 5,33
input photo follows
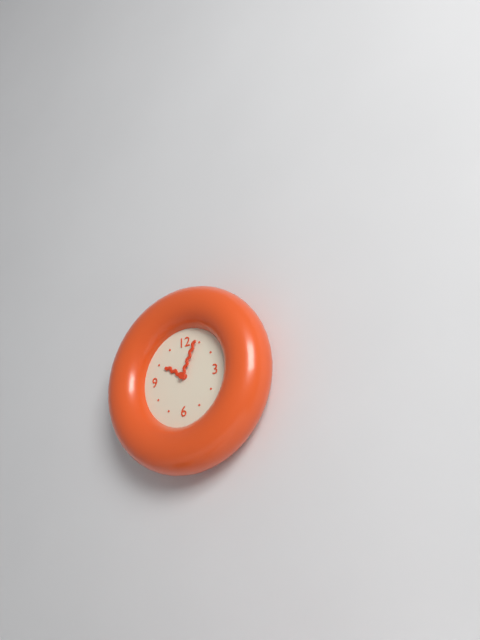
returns 10,04
